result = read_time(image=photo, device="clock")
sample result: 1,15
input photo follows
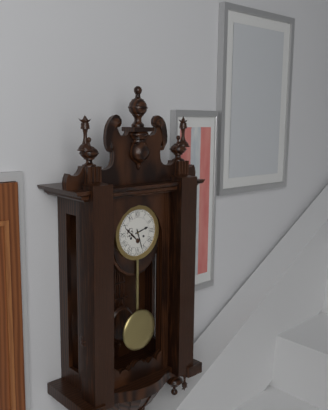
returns 2,27
